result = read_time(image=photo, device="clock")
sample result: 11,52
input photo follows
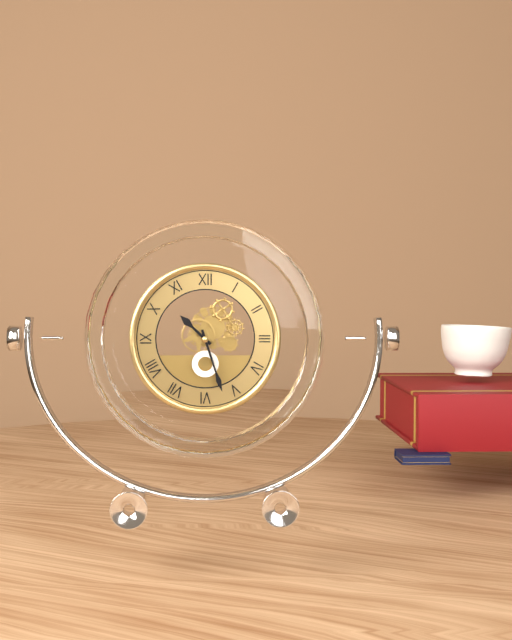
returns 10,27
